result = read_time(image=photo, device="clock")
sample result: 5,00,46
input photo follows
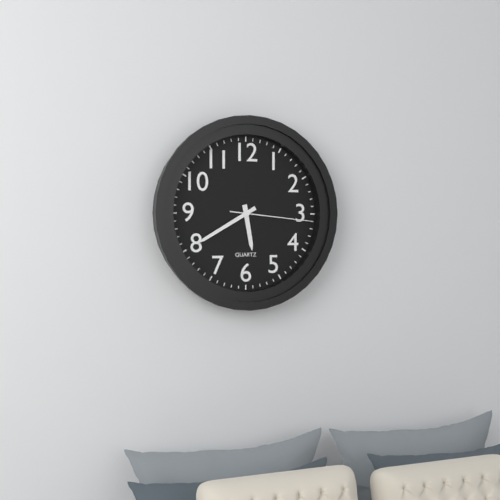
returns 5,40,16
